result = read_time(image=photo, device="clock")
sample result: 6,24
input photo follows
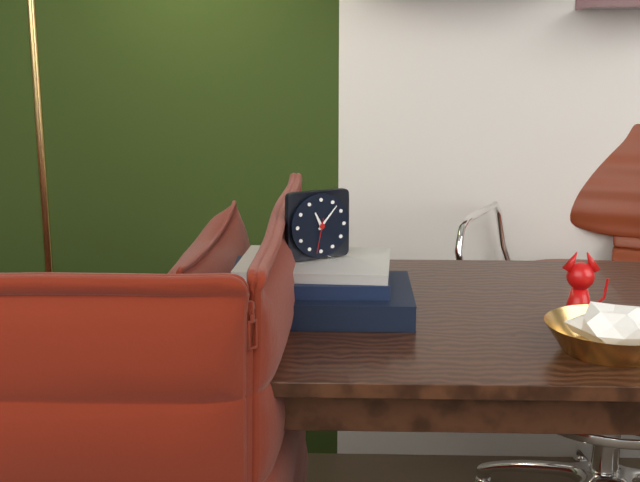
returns 11,07
